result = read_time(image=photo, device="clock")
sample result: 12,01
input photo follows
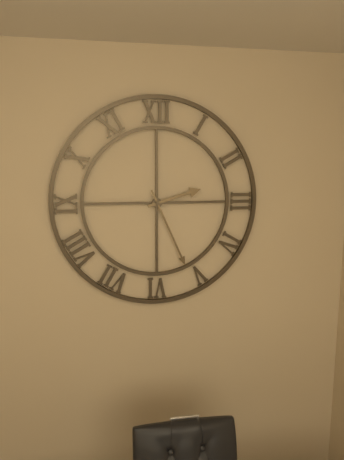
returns 2,26
